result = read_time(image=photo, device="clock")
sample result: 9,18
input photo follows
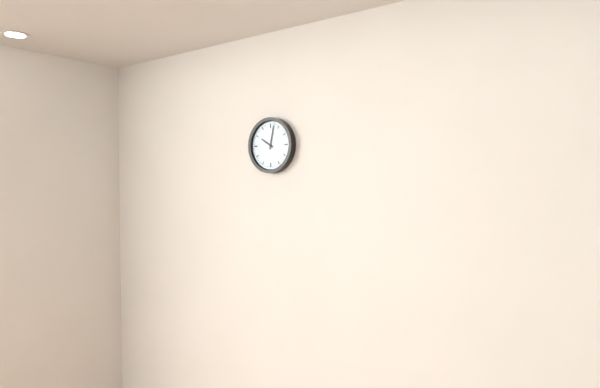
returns 10,02
